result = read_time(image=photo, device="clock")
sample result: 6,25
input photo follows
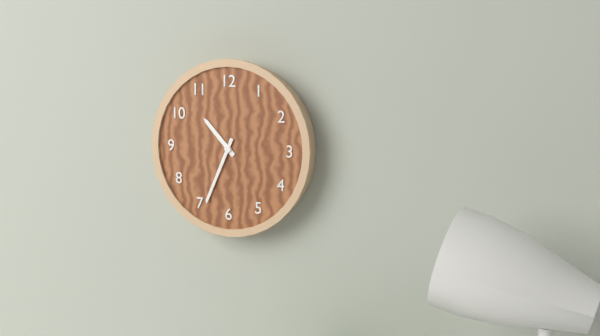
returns 10,34
